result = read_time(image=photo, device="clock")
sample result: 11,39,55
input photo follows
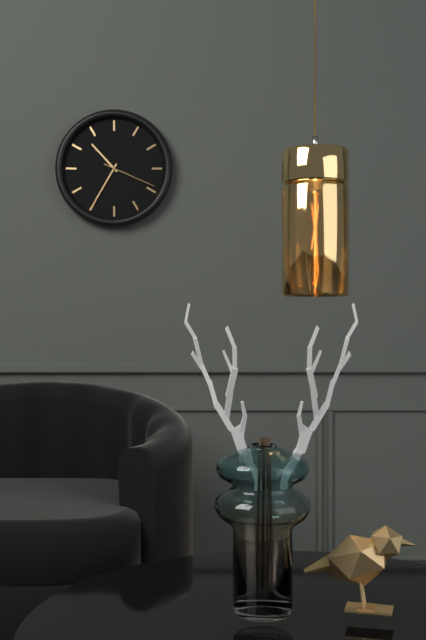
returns 10,35,19
